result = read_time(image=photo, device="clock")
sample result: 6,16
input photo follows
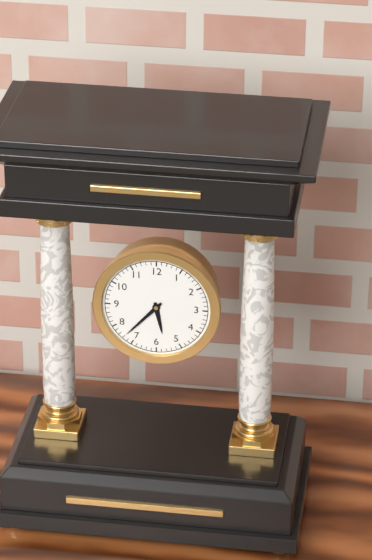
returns 5,37
